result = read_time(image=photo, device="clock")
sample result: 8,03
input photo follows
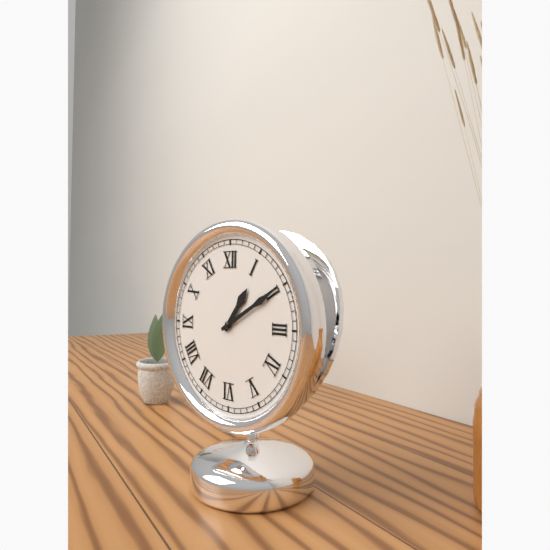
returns 1,10
